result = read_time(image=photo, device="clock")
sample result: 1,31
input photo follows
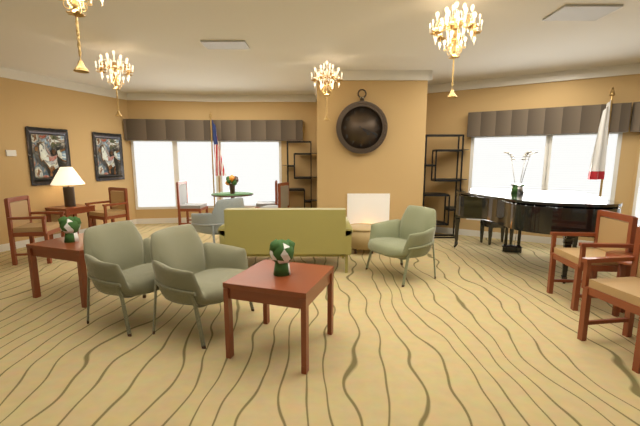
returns 4,19
